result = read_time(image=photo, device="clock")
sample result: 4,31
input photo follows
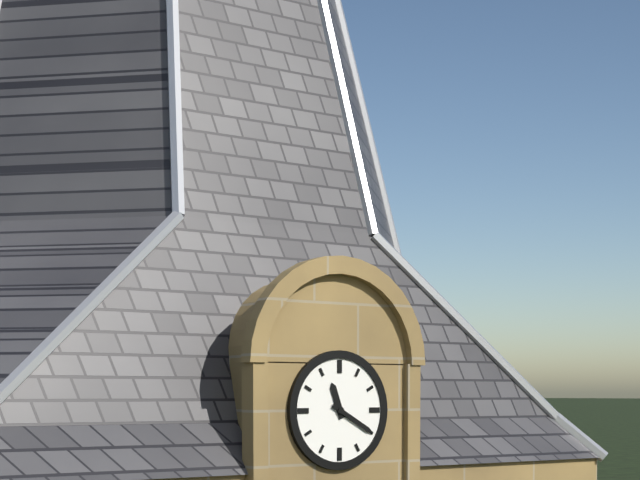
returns 11,20
